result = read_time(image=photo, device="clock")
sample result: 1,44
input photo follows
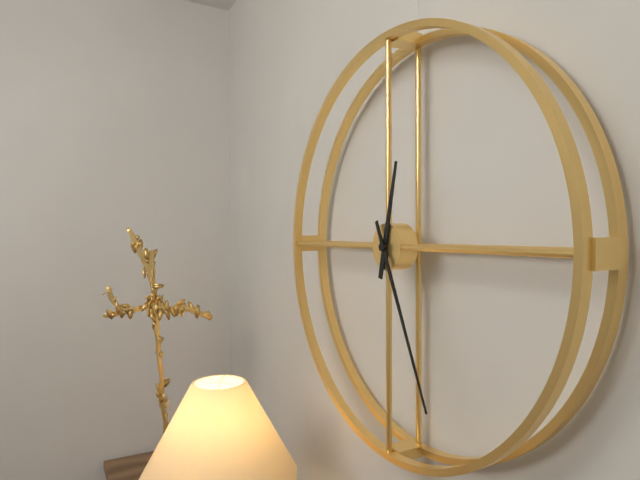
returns 12,26
